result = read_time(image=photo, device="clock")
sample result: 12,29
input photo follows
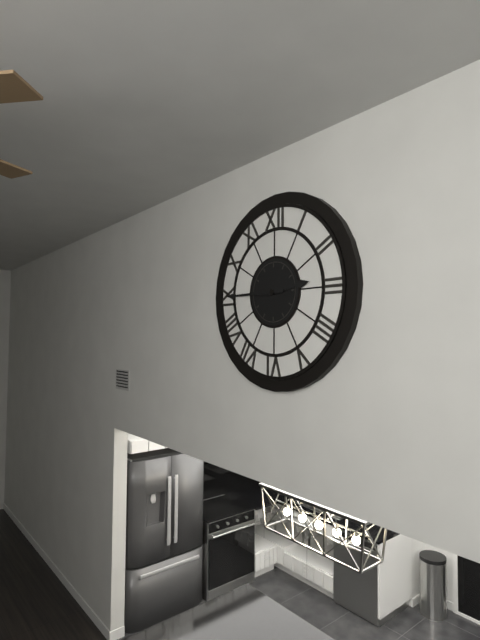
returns 2,45
